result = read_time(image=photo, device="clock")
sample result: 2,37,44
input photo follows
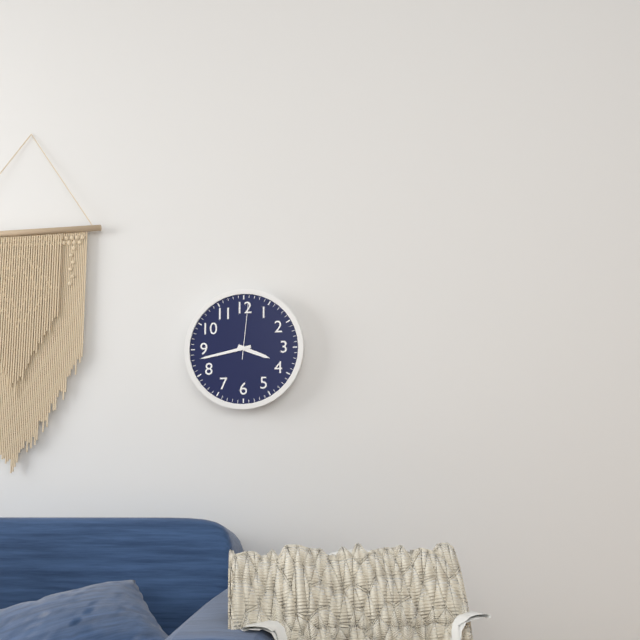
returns 3,43,01
